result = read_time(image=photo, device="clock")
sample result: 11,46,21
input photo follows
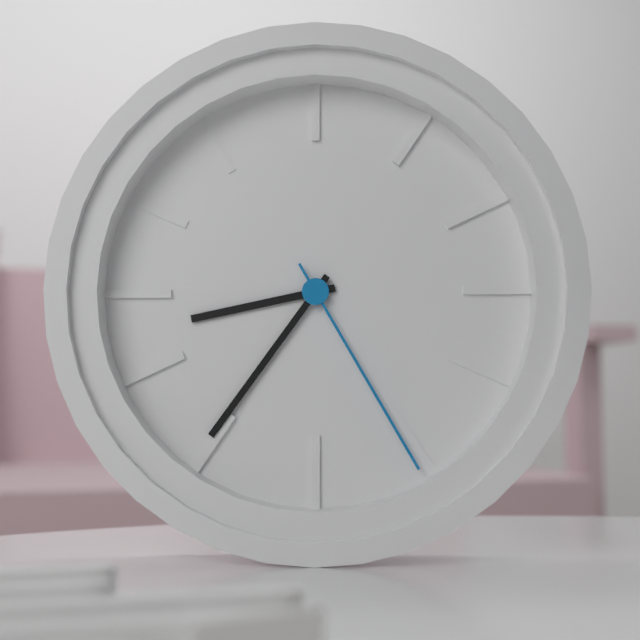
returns 8,36,25
